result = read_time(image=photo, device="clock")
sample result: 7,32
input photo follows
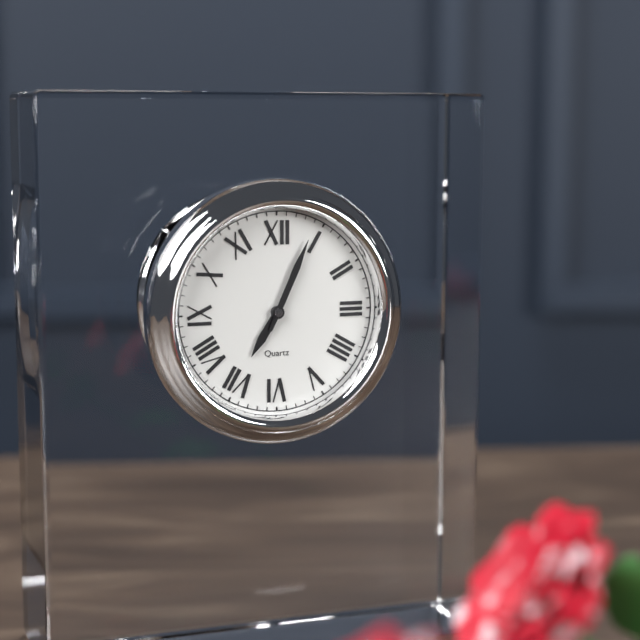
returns 7,04
